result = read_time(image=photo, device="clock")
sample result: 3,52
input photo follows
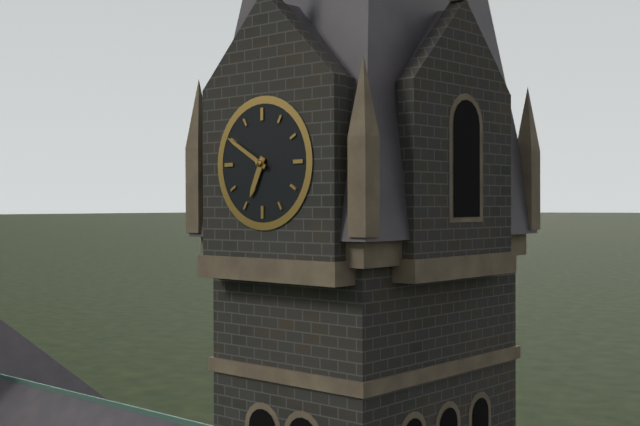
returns 6,50
